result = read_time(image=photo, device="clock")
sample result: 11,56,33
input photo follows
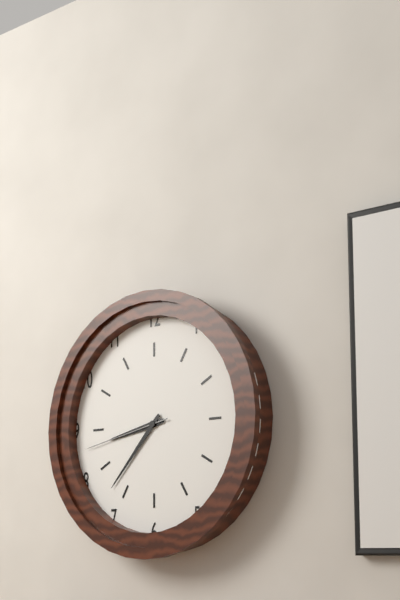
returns 8,37,43
